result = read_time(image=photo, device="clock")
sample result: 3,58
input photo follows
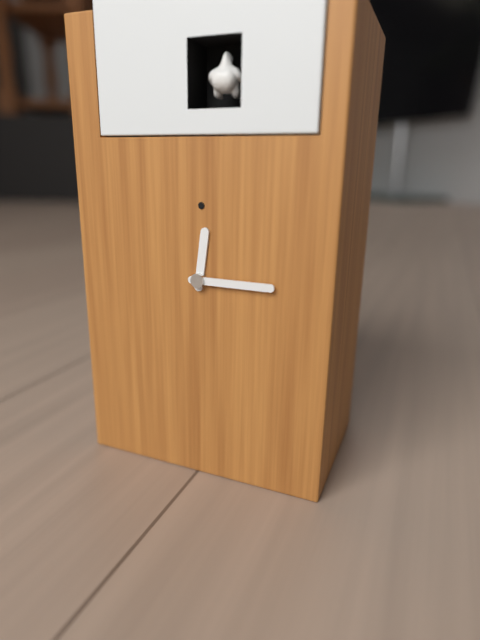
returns 12,15
